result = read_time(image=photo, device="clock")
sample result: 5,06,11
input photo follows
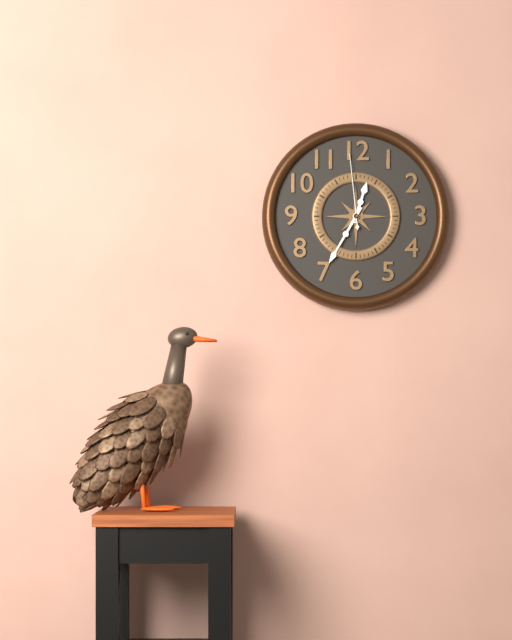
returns 12,35,59
